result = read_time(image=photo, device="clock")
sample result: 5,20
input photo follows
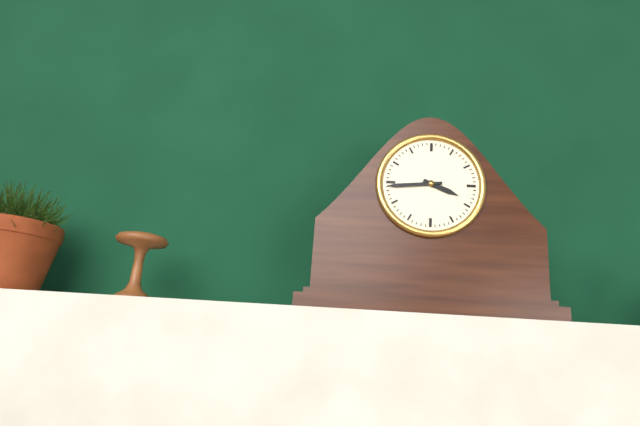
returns 3,44
